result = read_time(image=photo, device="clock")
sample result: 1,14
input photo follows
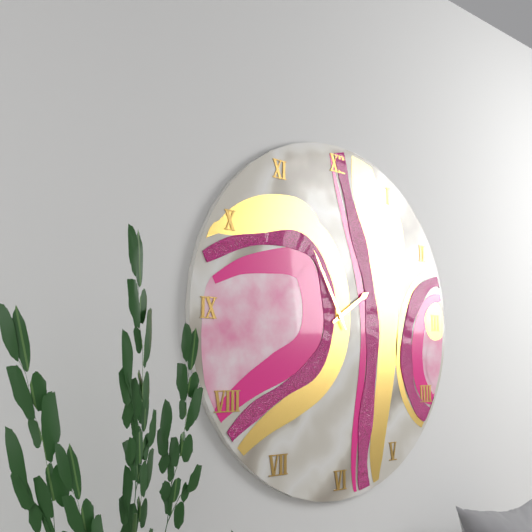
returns 1,55
